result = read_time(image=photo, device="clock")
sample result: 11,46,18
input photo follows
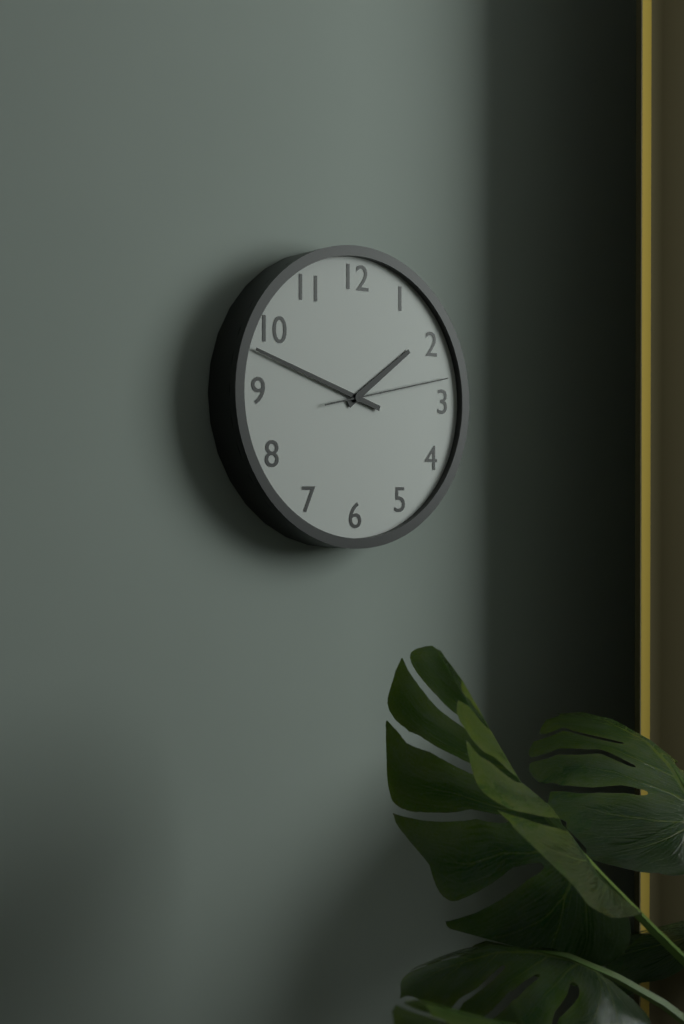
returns 1,48,13
